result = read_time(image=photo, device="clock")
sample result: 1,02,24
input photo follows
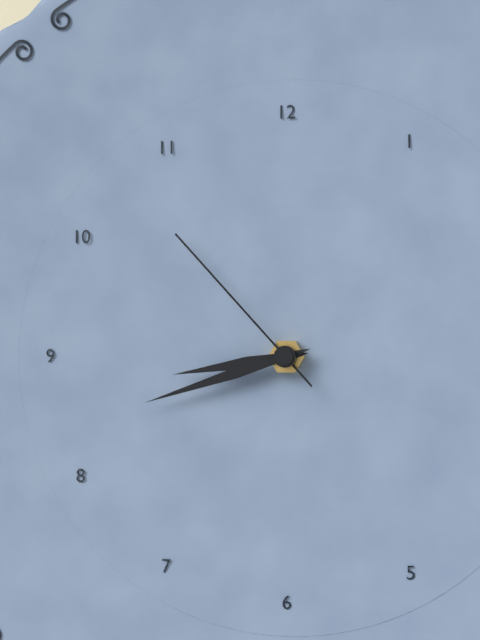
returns 8,42,53
